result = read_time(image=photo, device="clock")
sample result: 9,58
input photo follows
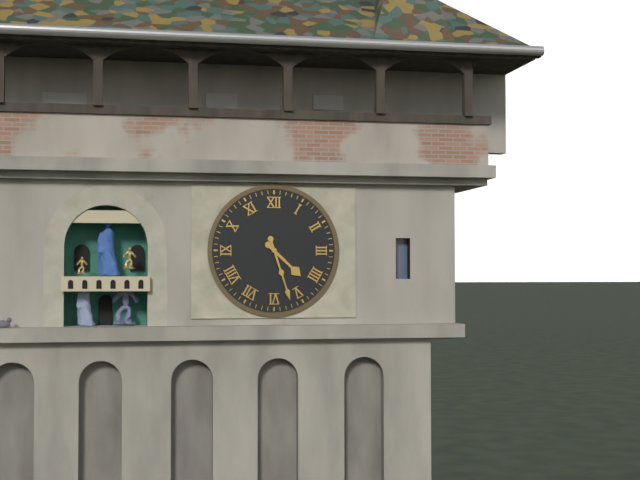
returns 4,27
